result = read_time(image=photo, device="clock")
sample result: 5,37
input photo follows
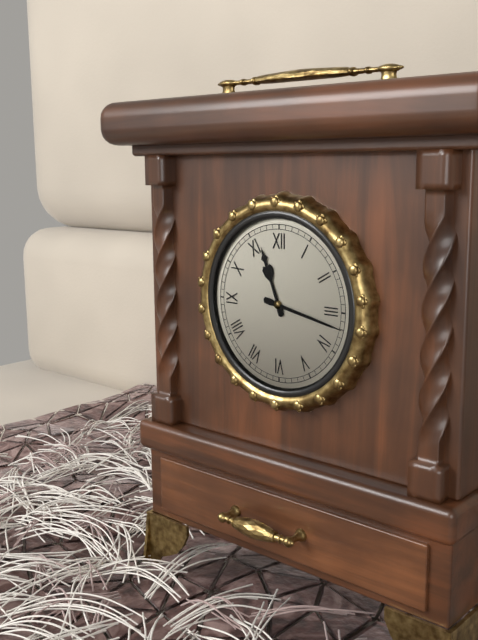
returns 11,17
